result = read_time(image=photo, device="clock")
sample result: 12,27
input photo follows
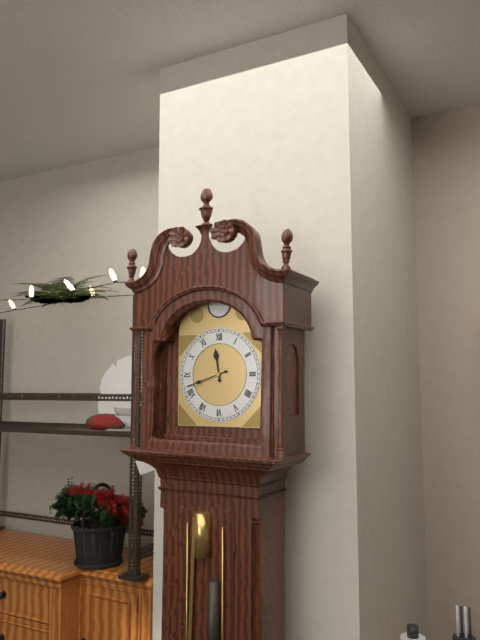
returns 11,42
